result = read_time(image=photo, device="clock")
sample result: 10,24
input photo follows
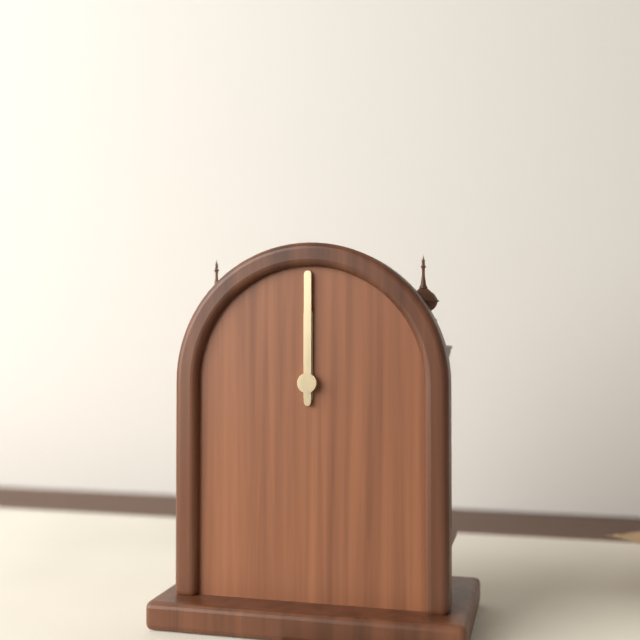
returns 12,00
